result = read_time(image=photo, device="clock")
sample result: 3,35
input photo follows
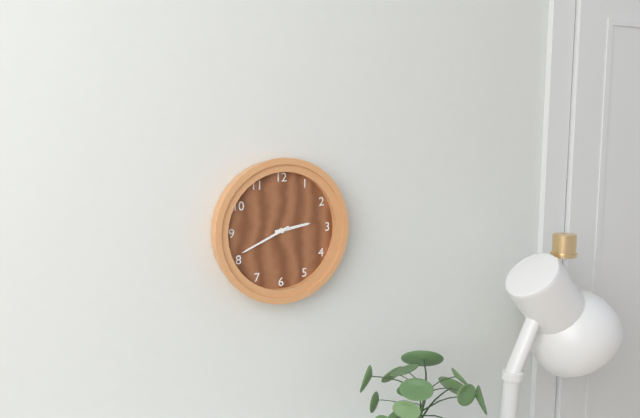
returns 2,41
